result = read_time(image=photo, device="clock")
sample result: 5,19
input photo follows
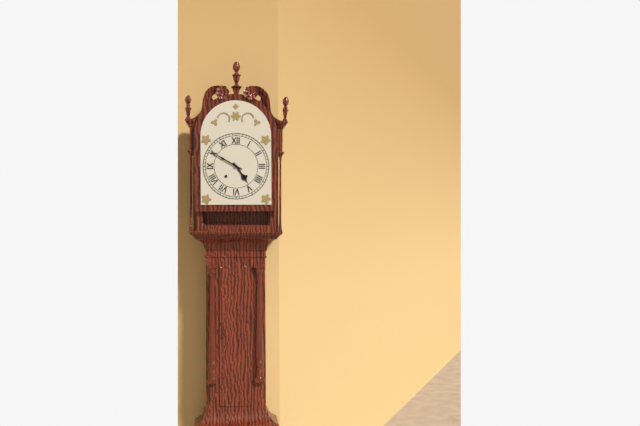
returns 4,50
